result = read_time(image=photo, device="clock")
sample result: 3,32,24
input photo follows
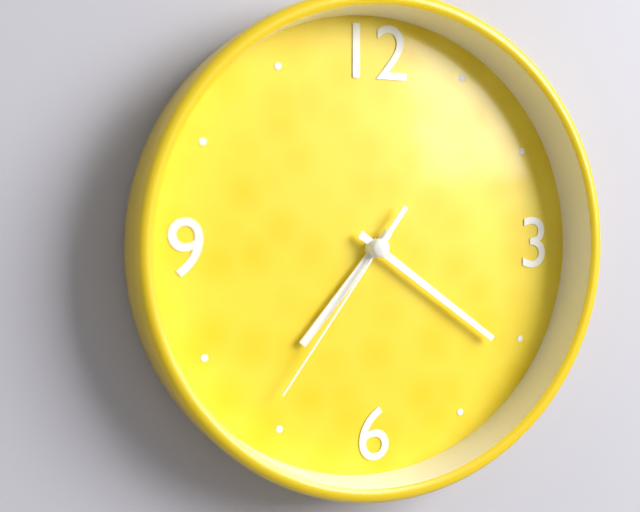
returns 7,21,36
